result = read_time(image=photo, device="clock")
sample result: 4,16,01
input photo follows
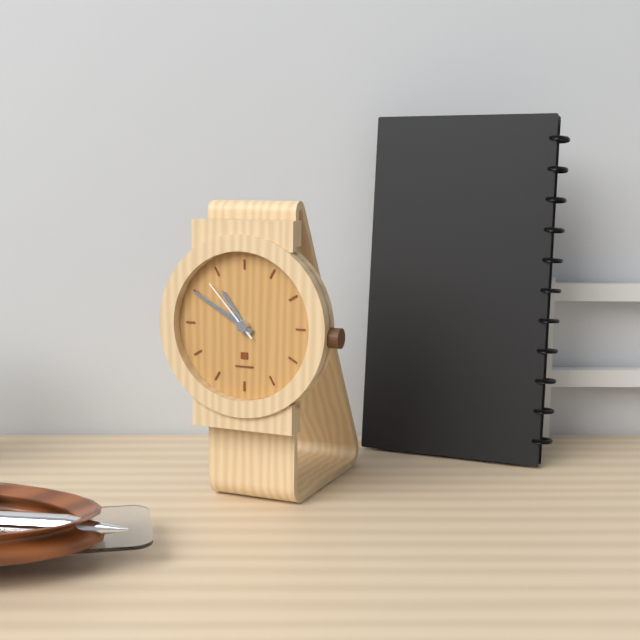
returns 10,50,53
